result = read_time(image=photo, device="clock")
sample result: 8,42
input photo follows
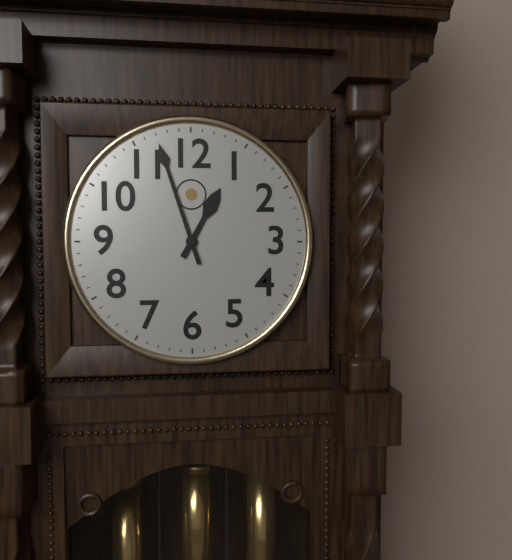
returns 12,57
